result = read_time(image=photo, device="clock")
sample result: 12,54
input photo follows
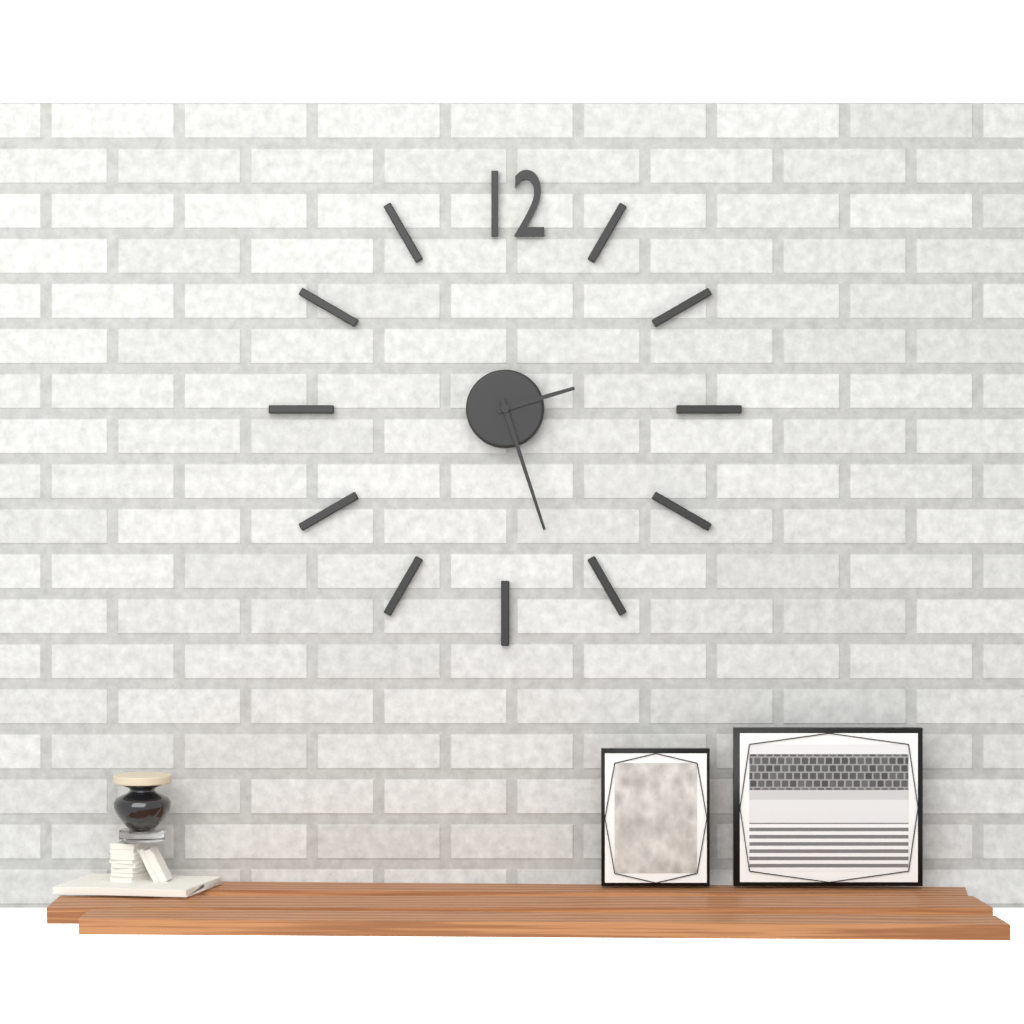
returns 2,27
